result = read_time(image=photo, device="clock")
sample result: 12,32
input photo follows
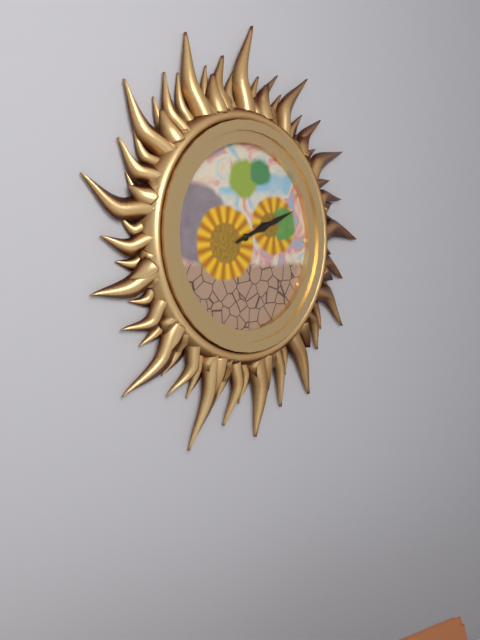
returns 2,11
